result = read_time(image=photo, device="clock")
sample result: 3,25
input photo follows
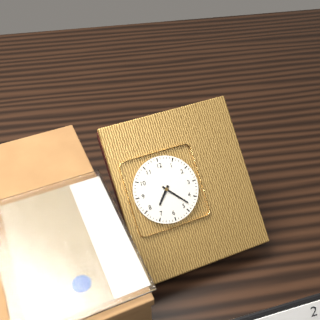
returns 7,23
